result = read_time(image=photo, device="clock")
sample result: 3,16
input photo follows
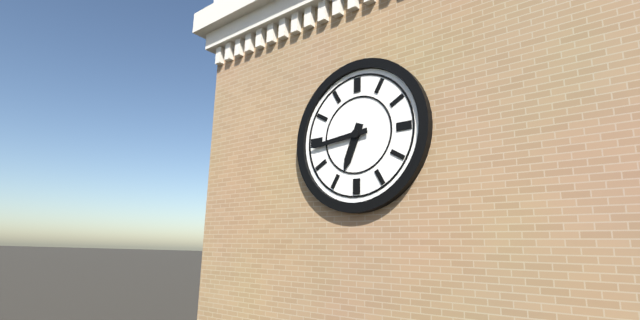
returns 6,44
